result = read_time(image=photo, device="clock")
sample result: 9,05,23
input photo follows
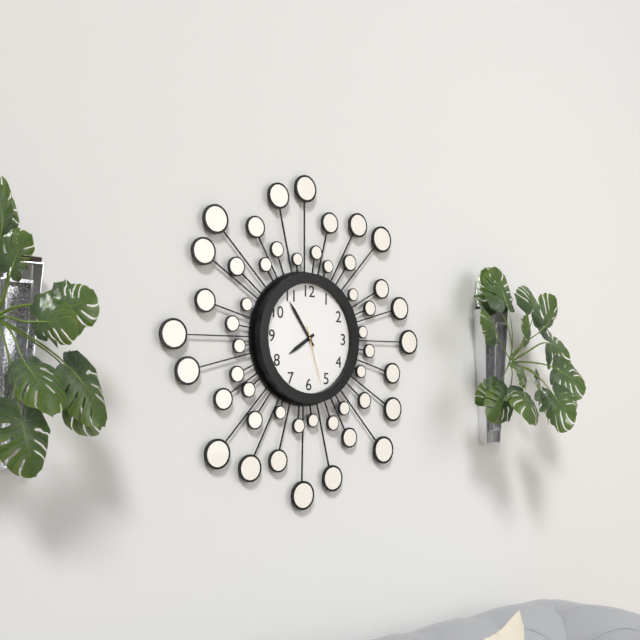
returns 7,54,27
